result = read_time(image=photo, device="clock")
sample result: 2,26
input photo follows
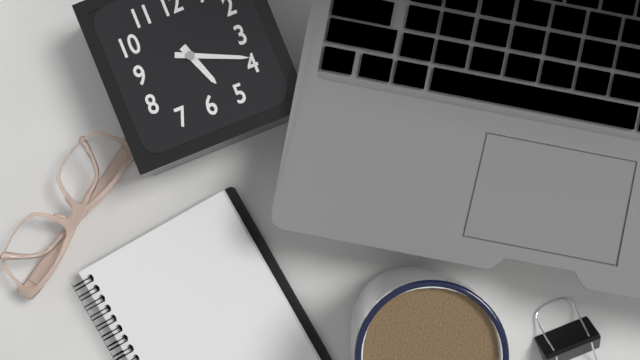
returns 5,19
